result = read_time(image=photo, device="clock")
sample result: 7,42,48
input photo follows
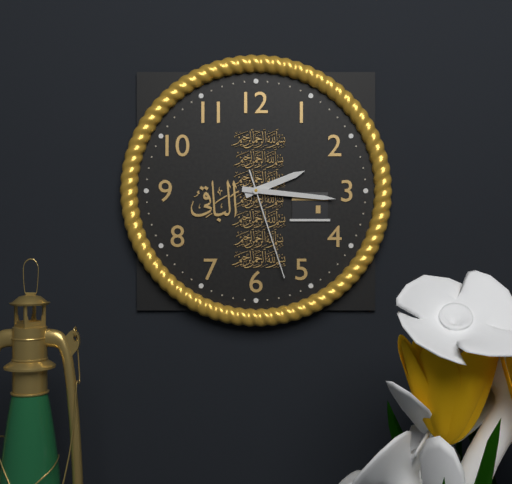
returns 2,16,27
